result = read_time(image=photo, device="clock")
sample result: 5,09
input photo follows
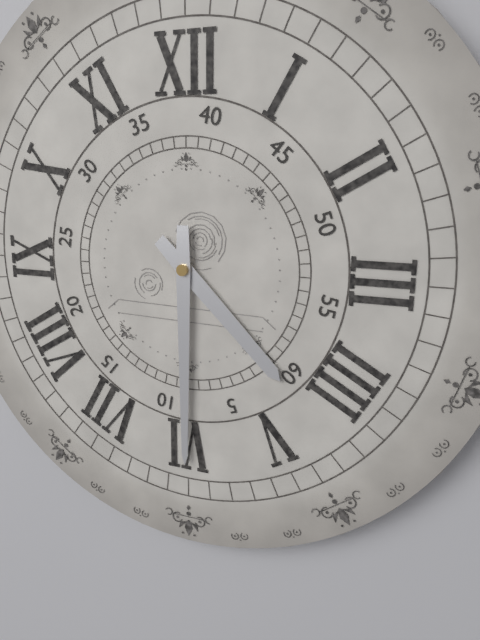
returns 4,30
